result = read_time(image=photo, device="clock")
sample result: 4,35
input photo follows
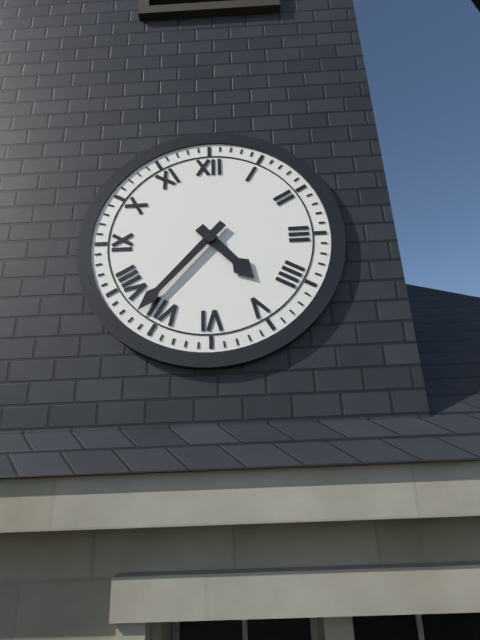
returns 4,37
